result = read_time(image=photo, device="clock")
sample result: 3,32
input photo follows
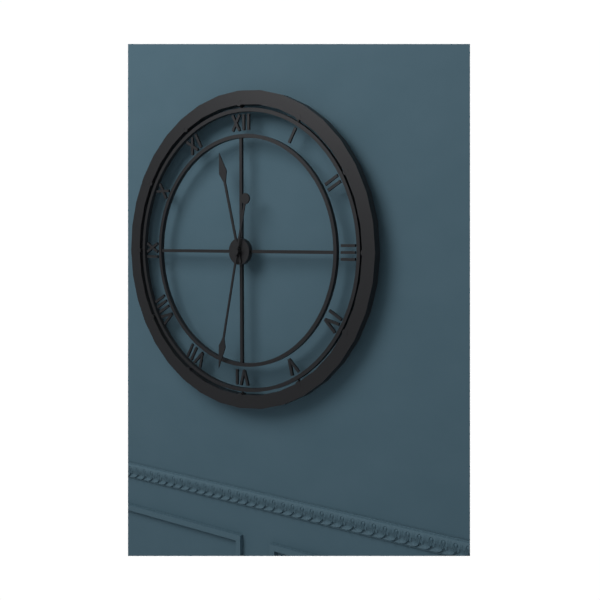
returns 11,32
